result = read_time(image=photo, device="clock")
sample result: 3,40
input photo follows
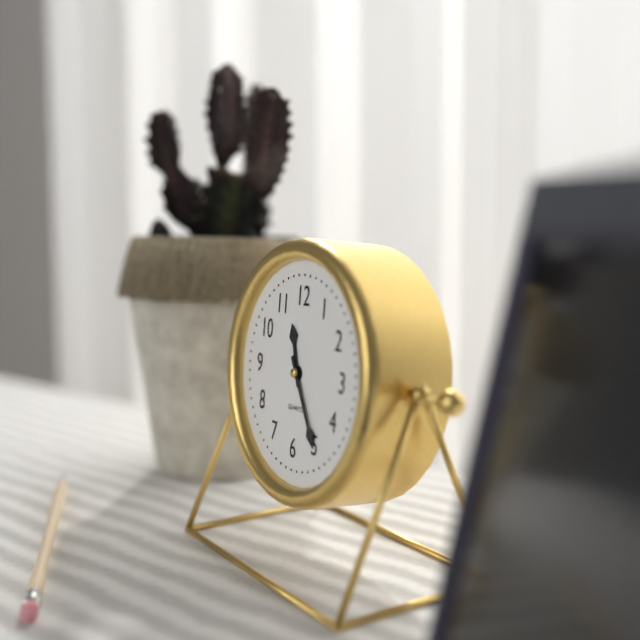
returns 11,25
